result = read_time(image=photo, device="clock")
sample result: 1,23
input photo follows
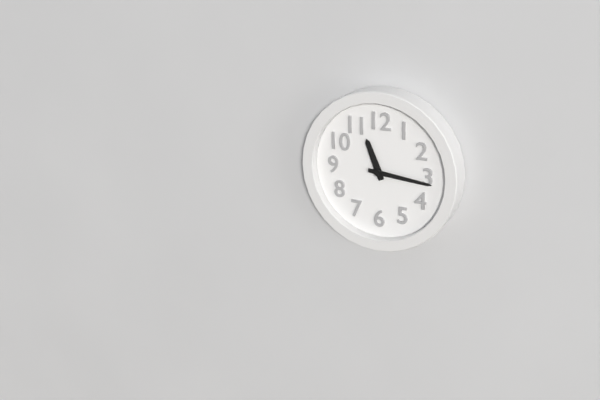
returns 11,16
